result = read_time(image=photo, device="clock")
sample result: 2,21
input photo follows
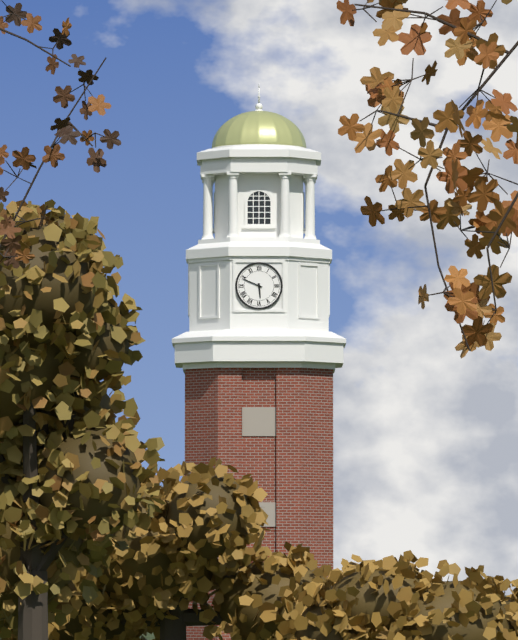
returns 5,49
